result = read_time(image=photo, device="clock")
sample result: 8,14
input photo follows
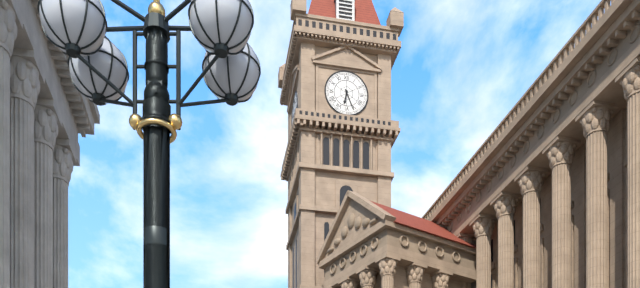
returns 6,26
